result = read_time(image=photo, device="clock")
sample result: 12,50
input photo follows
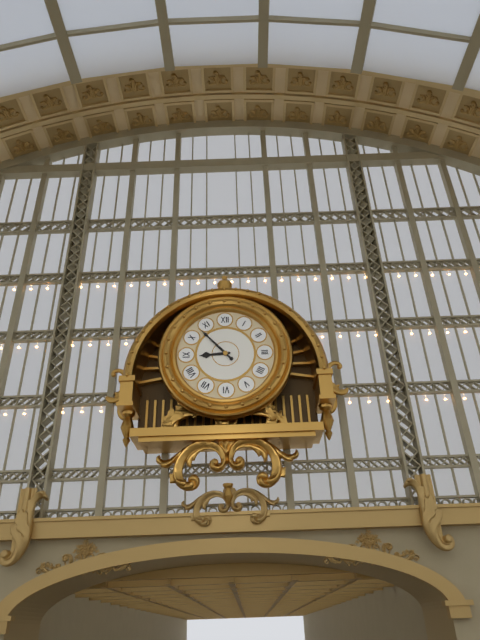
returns 8,53
